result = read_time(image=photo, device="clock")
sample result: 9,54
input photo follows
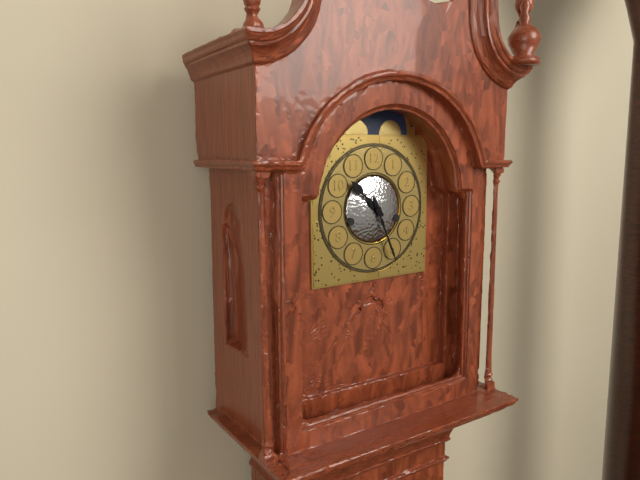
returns 10,26
